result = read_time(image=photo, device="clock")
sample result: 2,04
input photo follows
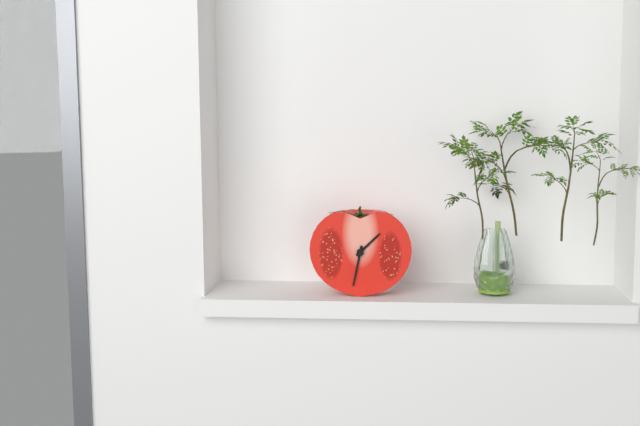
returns 1,32
